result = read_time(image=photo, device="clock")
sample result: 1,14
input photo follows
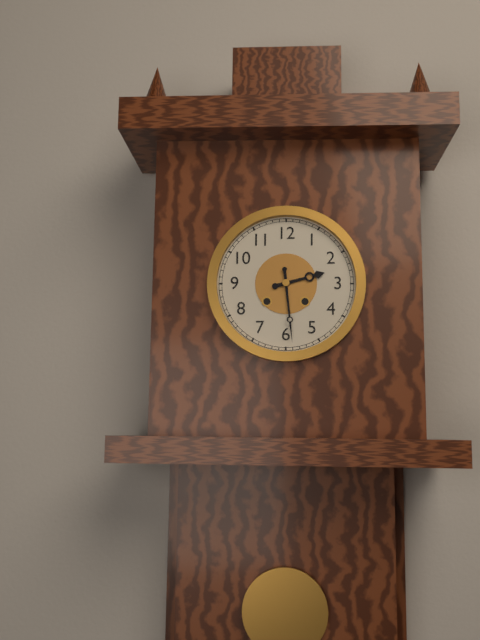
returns 2,29
